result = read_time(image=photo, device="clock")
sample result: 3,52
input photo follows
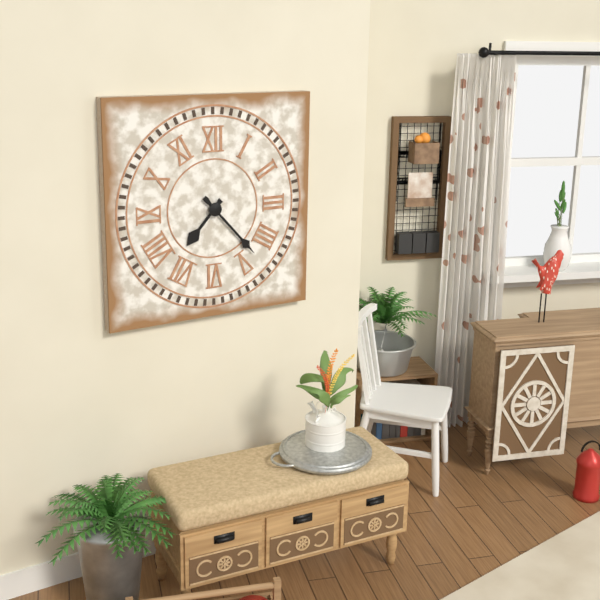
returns 7,23
